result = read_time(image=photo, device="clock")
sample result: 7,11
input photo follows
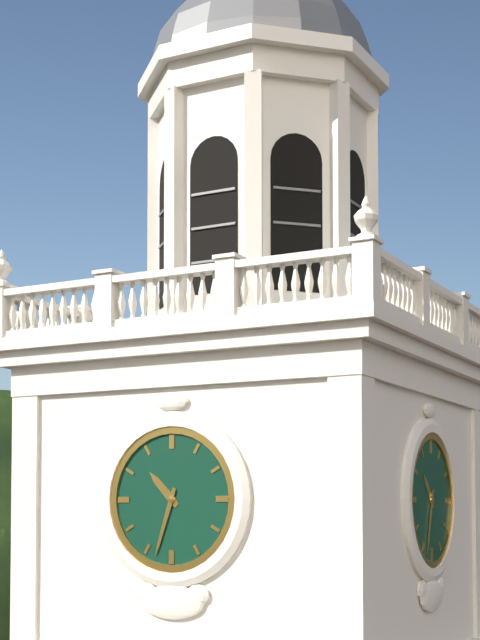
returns 10,33
